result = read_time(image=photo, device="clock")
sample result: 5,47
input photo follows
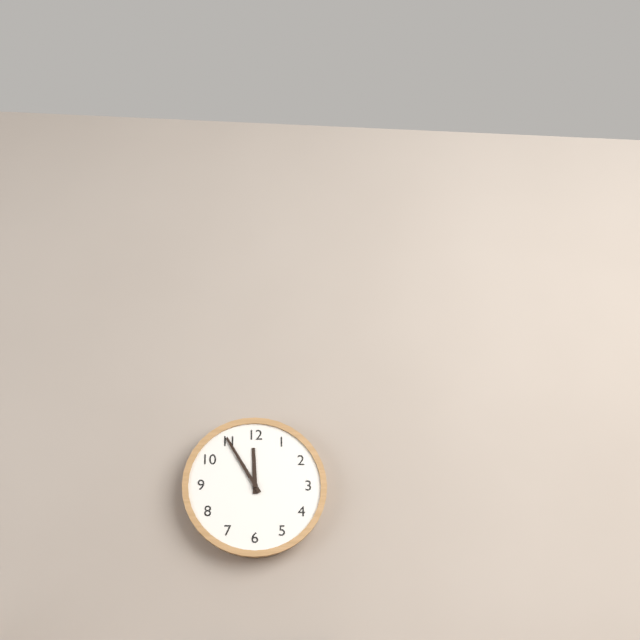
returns 11,55
